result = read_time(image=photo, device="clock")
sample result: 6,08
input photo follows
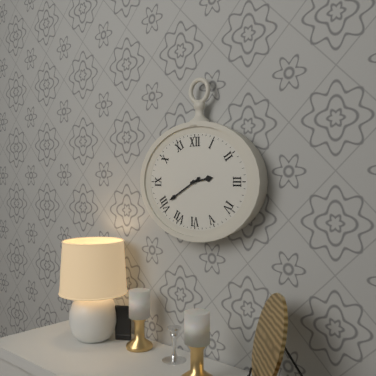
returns 2,40
